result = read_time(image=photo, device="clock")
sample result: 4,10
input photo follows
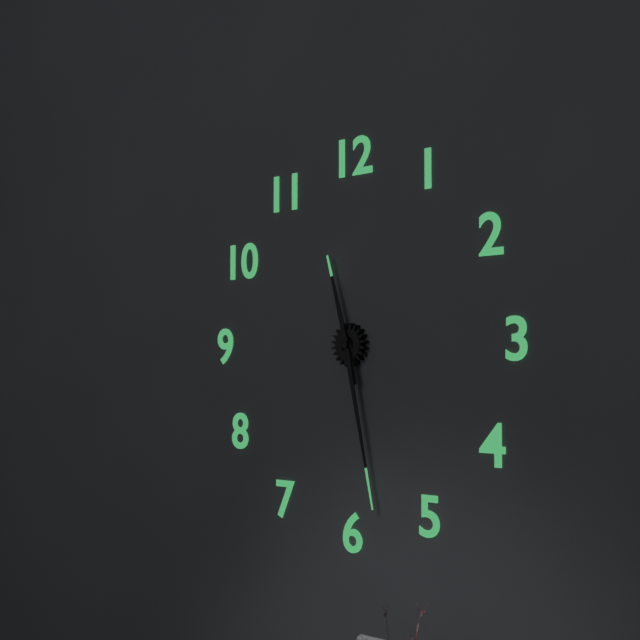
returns 11,28
